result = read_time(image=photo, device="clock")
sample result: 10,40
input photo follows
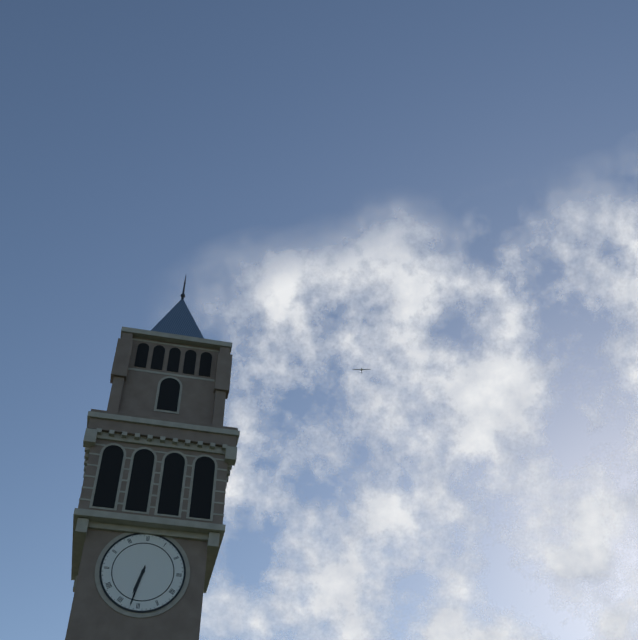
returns 6,32
